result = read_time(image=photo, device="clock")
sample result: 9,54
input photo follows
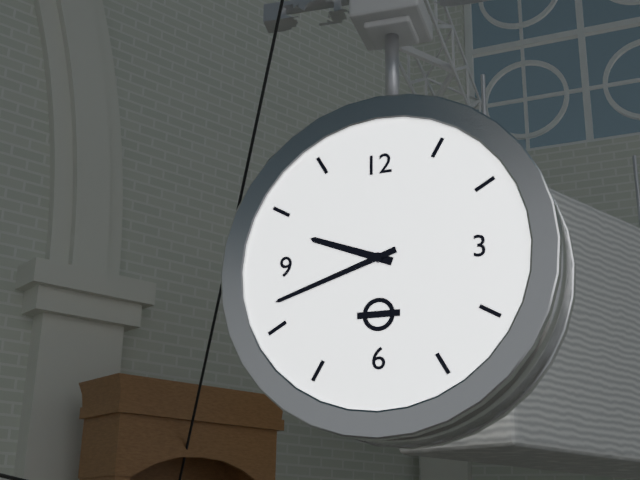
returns 9,42
